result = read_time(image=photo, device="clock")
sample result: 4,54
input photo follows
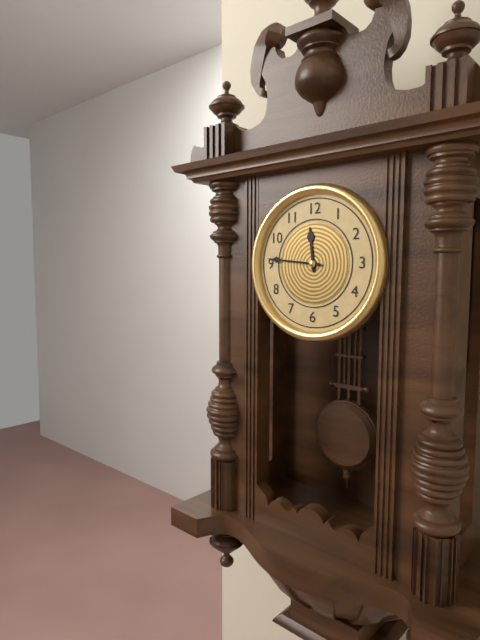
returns 11,46
